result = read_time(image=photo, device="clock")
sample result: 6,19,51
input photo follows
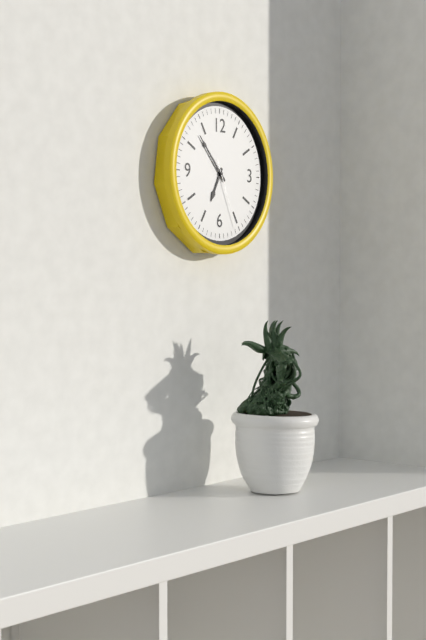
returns 6,53,26
